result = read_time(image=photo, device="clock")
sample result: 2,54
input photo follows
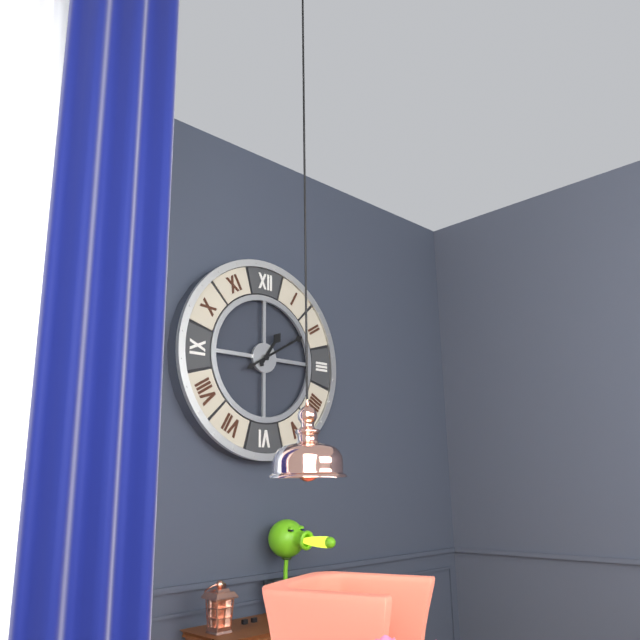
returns 1,10
